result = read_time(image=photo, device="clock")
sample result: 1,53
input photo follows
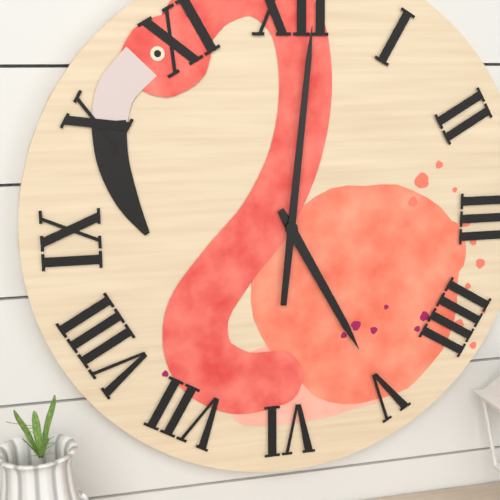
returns 5,01
